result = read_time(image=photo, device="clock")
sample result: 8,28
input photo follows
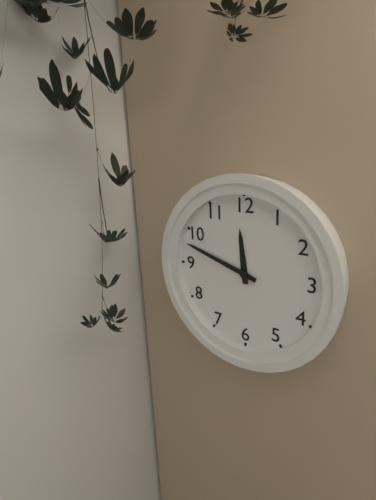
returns 11,48
